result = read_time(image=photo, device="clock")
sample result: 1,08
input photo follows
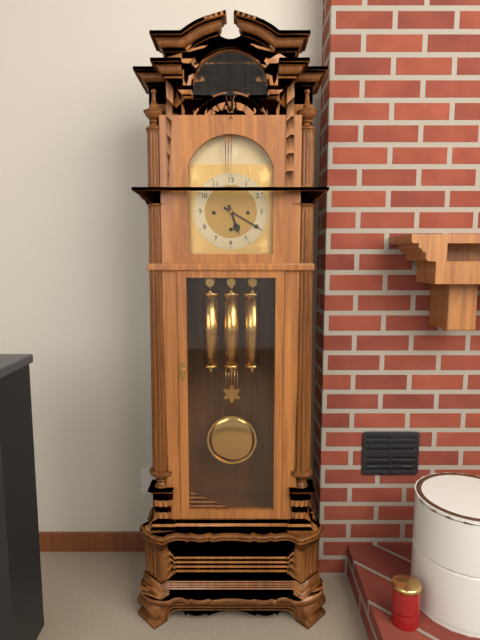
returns 5,20
